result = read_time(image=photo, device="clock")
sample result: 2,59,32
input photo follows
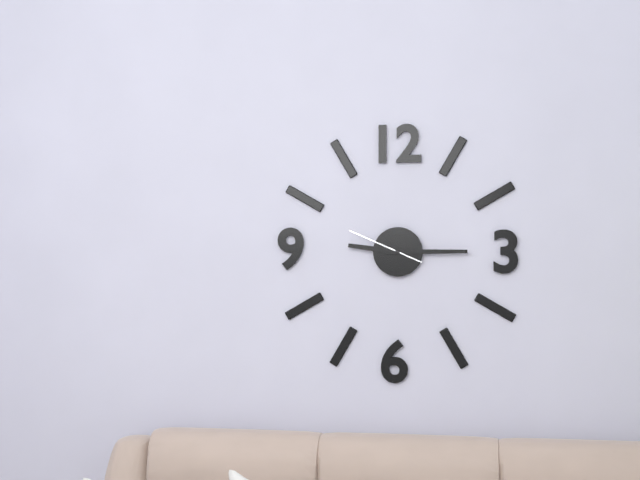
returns 9,15,49
